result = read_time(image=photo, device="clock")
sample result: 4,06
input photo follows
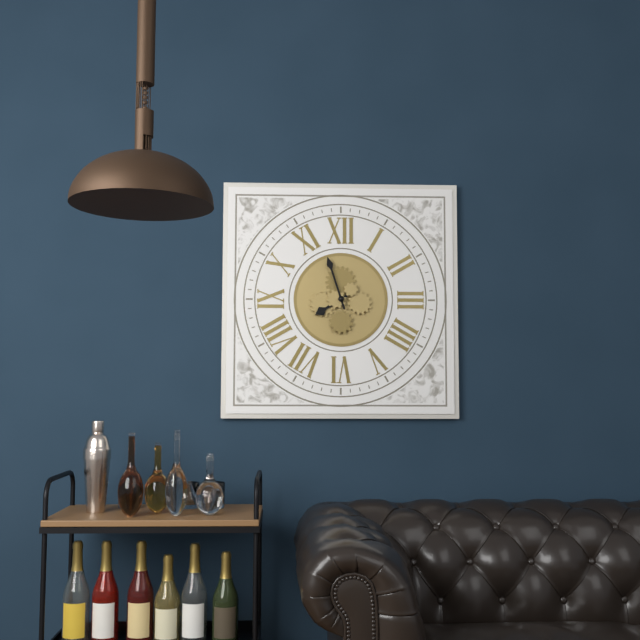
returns 7,57
